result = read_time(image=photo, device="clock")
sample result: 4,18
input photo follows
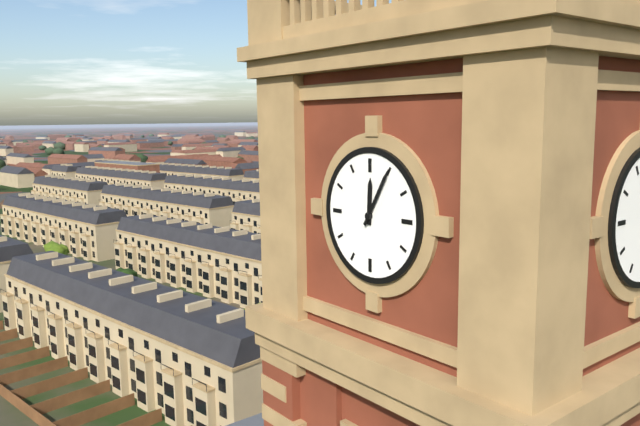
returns 12,05
